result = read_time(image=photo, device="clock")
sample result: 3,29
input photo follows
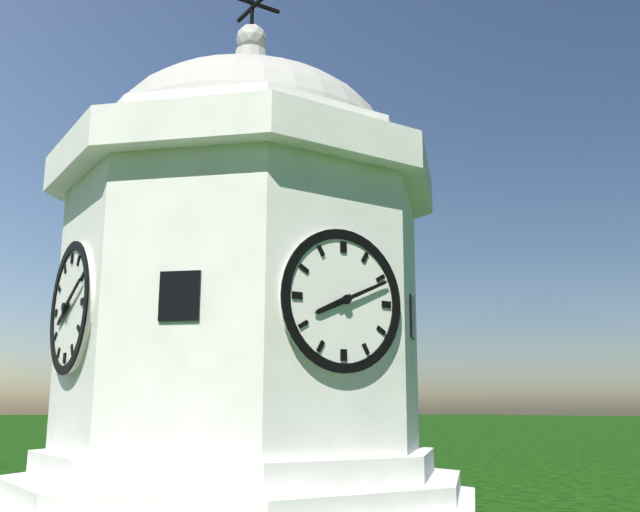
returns 8,11
